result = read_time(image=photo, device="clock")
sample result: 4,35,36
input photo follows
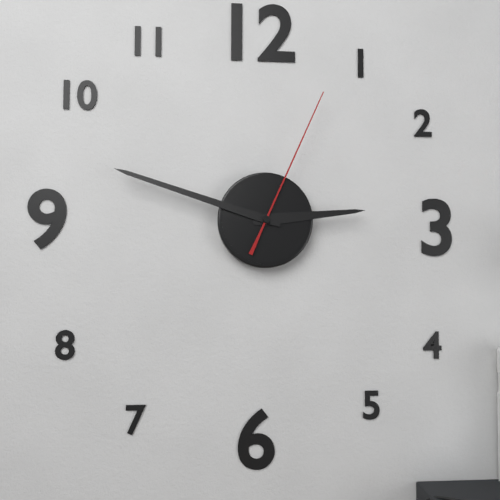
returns 2,48,04
